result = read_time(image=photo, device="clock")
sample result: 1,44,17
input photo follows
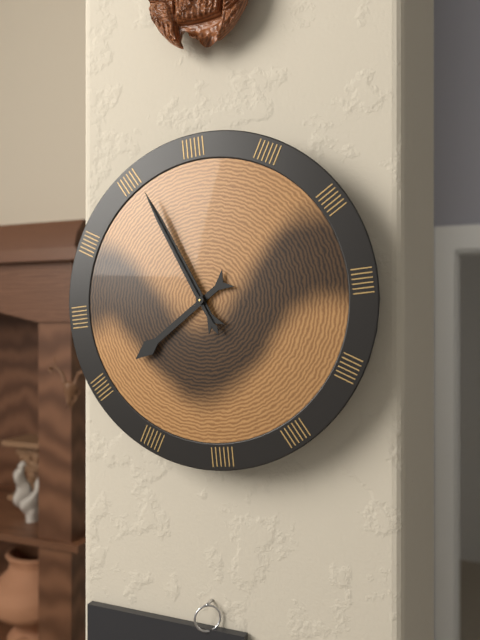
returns 7,56,56
